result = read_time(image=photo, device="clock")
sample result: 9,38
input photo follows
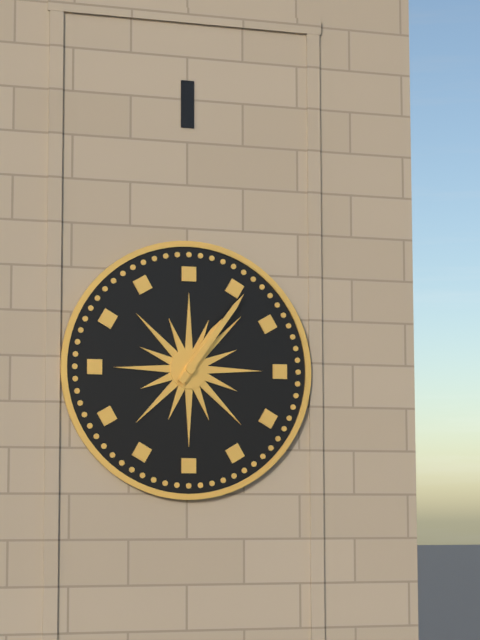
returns 1,06
